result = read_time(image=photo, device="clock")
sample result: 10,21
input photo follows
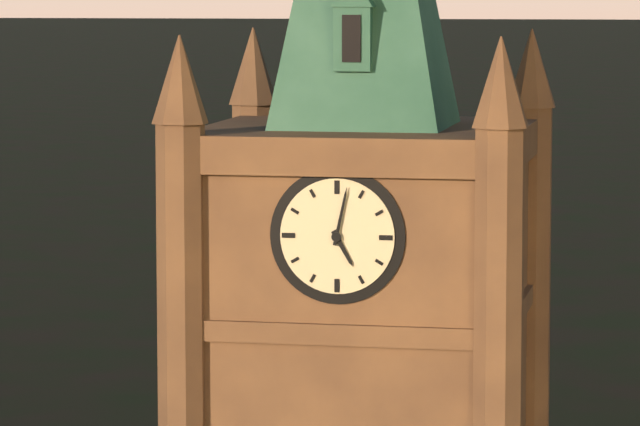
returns 5,02
